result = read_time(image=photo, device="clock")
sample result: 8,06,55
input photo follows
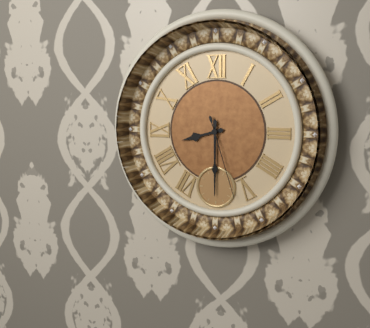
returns 8,30,27
